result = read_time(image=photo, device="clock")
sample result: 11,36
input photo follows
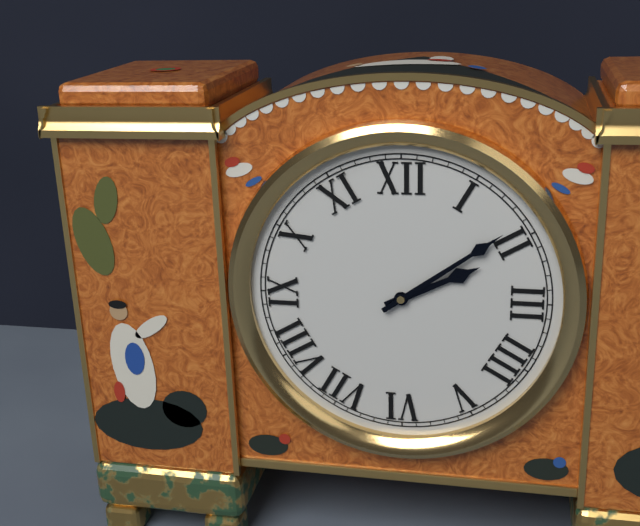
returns 2,09
